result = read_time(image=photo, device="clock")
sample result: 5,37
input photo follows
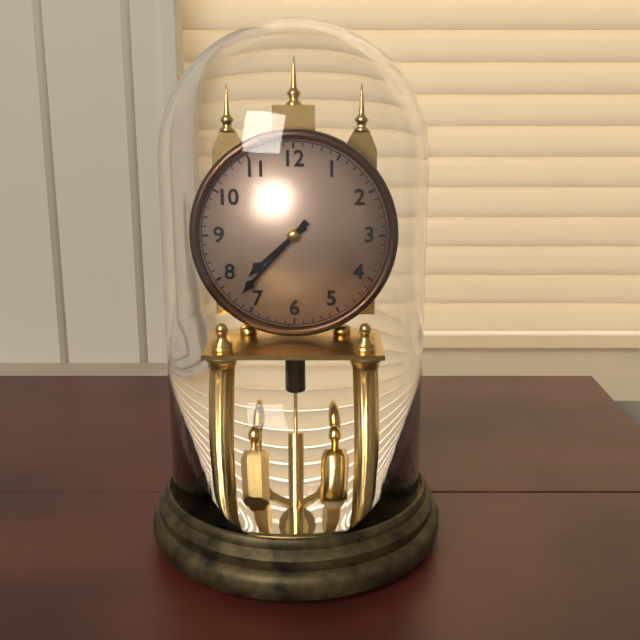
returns 7,37
